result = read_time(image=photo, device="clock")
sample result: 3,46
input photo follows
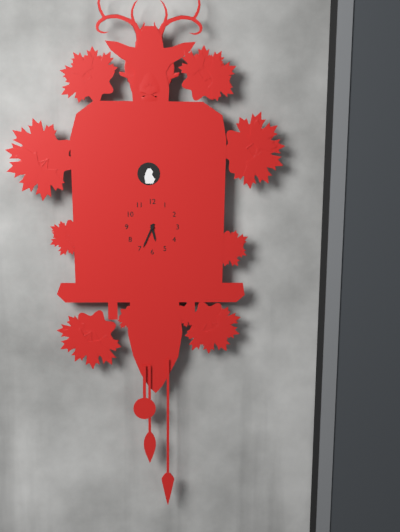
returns 5,34
